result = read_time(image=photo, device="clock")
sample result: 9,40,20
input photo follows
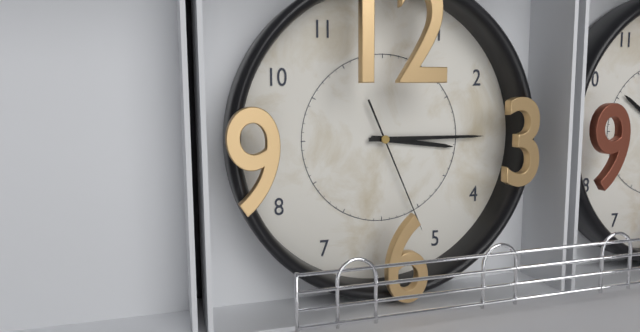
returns 3,15,26
